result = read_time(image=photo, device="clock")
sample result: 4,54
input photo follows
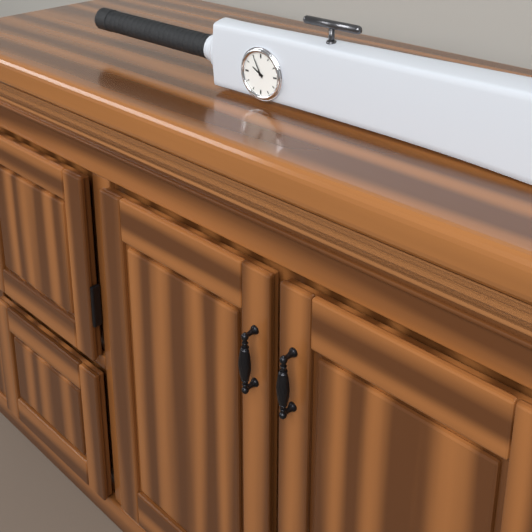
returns 9,55
